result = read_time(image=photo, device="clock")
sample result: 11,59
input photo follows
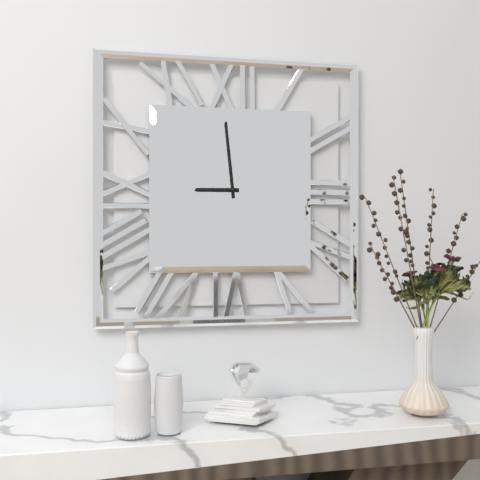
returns 8,59
